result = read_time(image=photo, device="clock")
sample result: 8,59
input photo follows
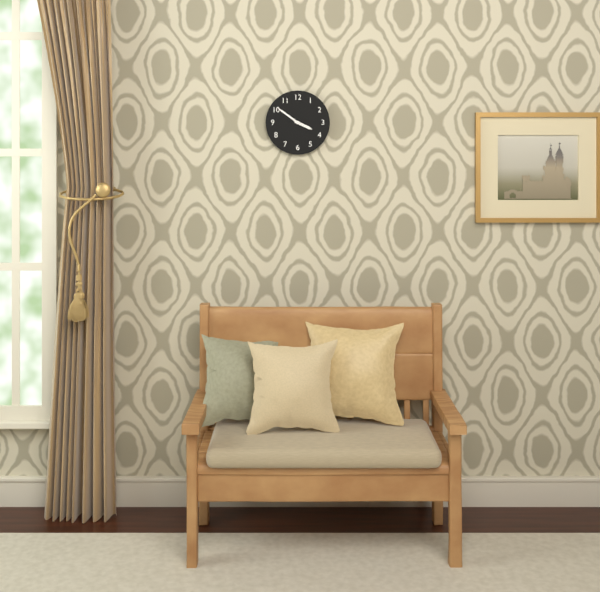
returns 3,51
